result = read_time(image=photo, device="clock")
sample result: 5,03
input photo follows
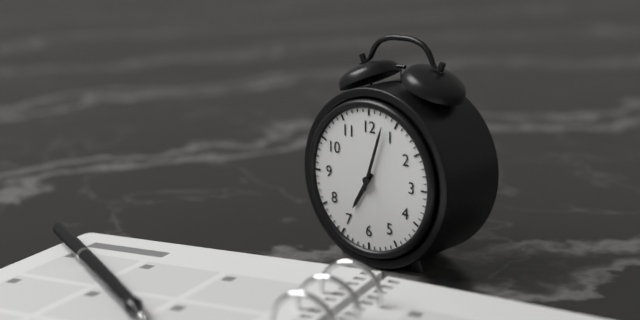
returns 7,03
